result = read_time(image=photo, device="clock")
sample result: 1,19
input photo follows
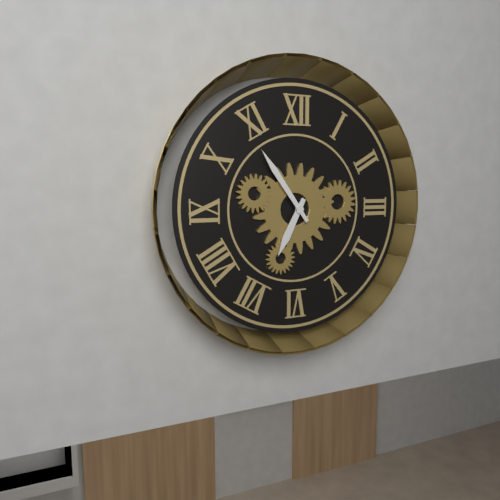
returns 6,54
